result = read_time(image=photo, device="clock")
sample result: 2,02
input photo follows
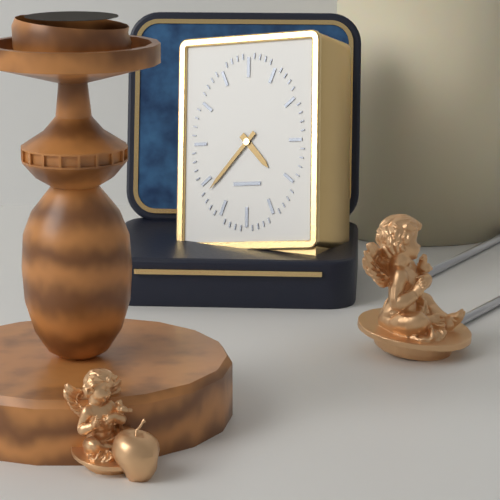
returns 4,37
